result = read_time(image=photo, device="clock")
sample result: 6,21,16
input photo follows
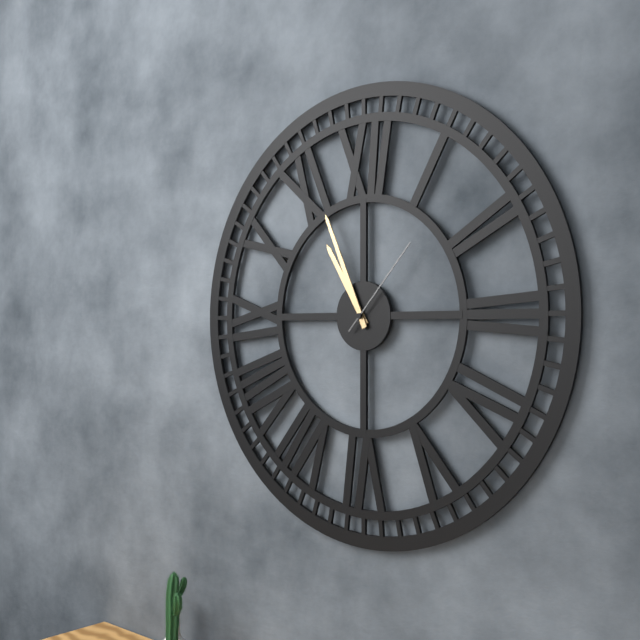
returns 10,56,07
